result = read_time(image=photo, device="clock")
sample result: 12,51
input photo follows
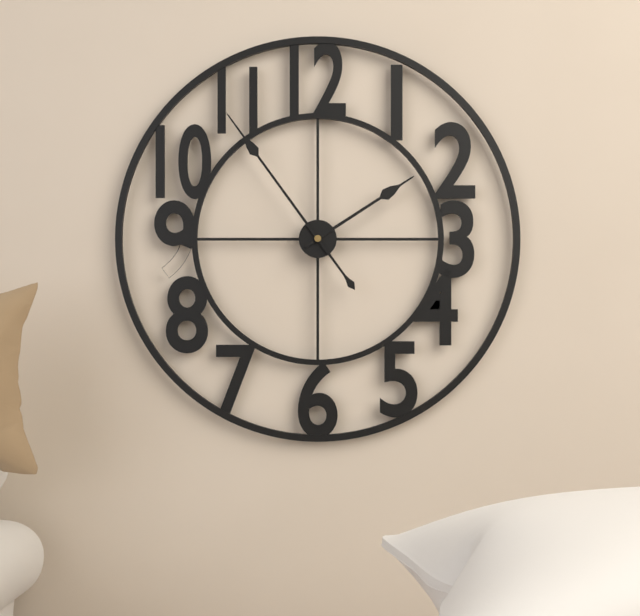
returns 1,54
